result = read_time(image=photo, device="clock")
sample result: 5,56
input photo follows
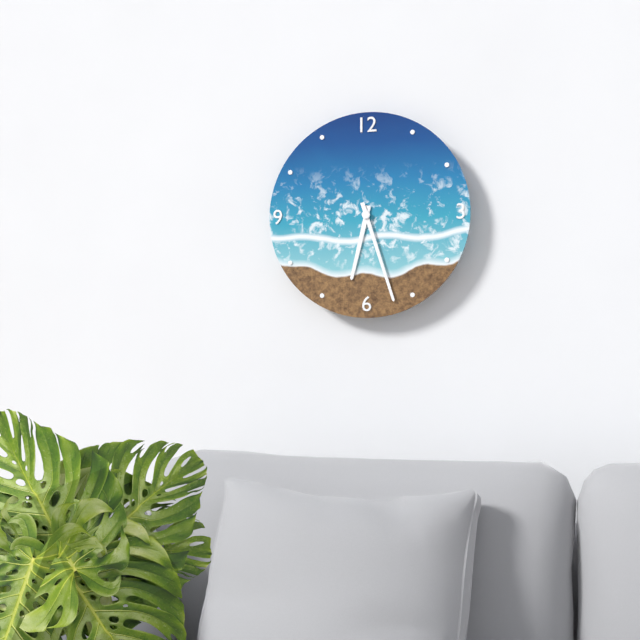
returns 6,27
